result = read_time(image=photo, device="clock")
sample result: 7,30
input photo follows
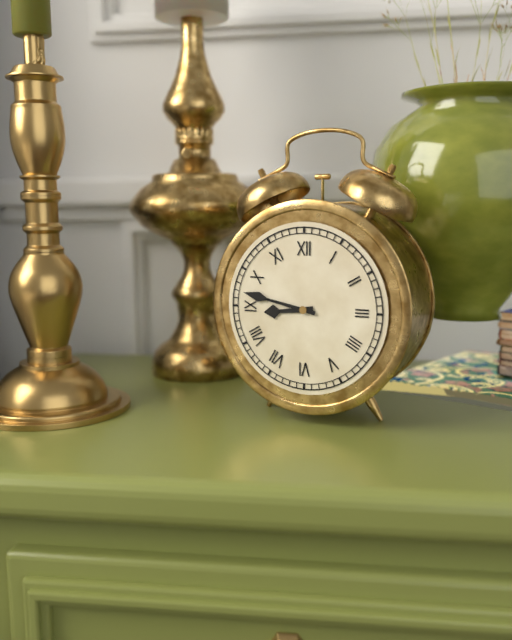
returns 8,47
